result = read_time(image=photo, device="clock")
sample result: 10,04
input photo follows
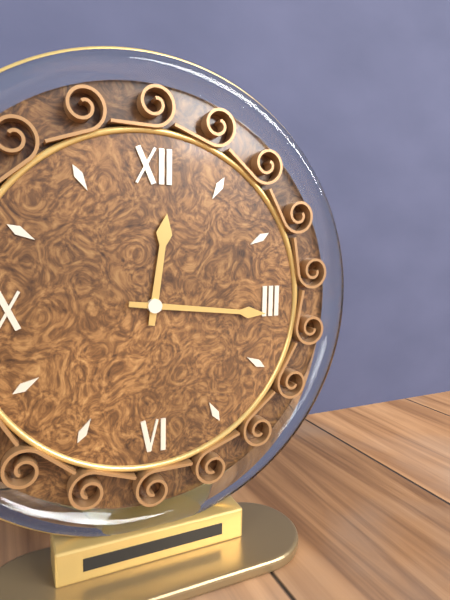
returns 12,16
